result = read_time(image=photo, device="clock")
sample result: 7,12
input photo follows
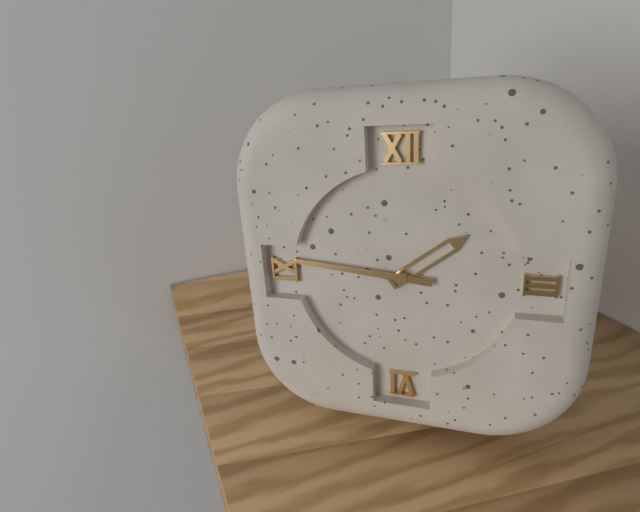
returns 1,46
